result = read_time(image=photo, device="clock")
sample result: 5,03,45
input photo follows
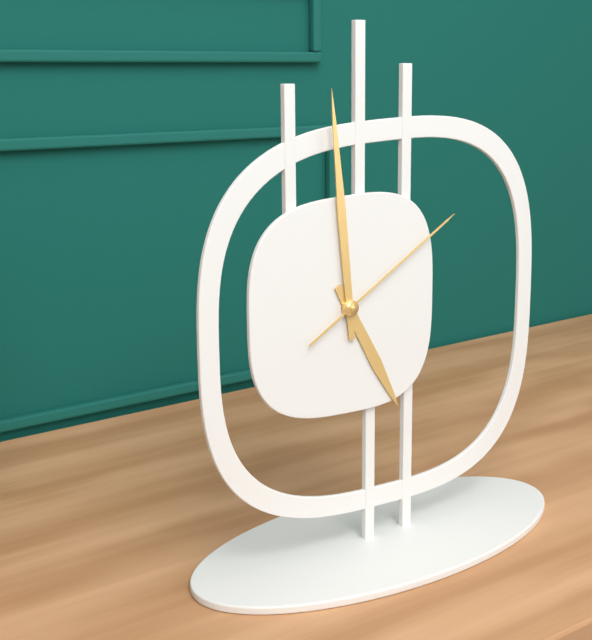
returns 4,59,10
